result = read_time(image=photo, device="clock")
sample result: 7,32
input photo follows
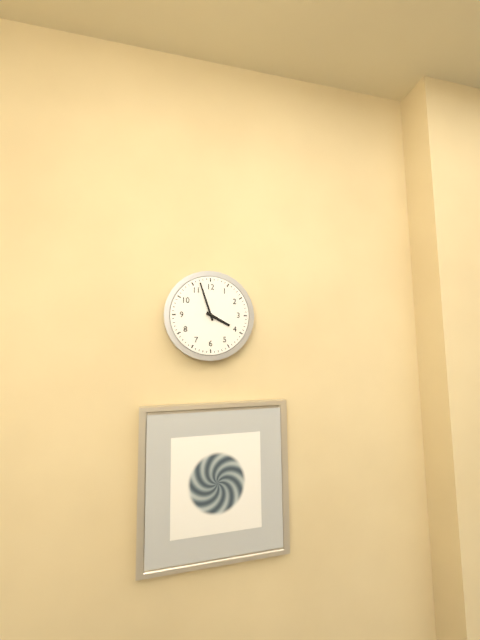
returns 3,57
